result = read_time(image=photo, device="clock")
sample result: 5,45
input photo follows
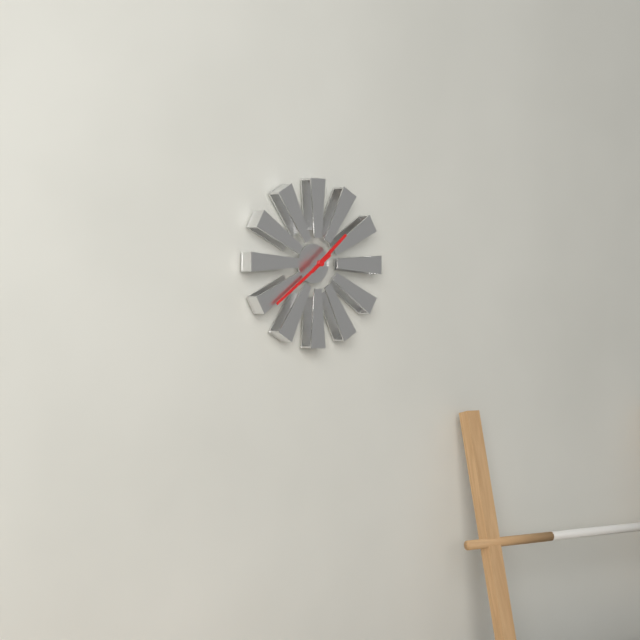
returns 1,39
